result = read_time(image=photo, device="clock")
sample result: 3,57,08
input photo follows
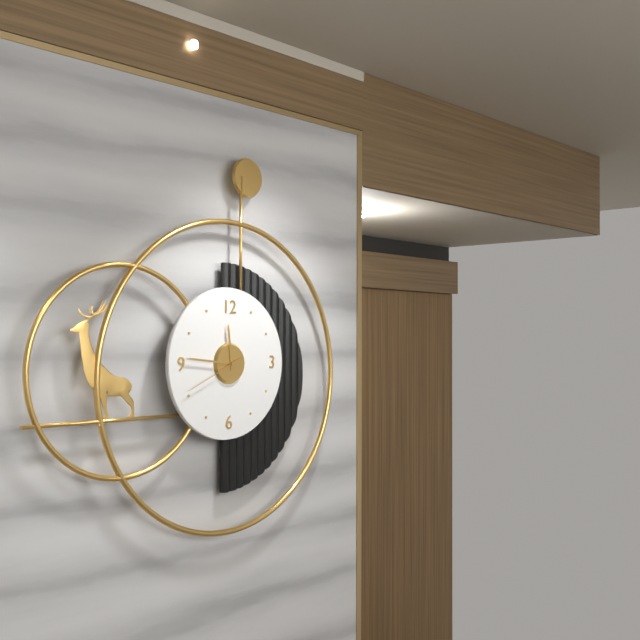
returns 11,46,41
